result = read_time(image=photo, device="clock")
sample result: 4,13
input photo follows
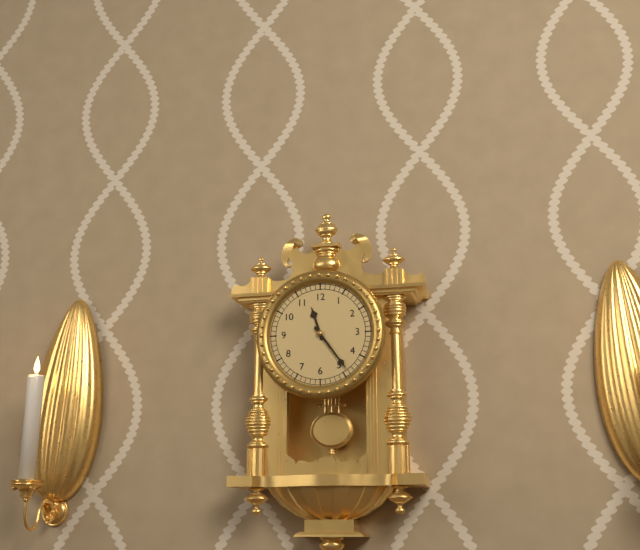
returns 11,24
